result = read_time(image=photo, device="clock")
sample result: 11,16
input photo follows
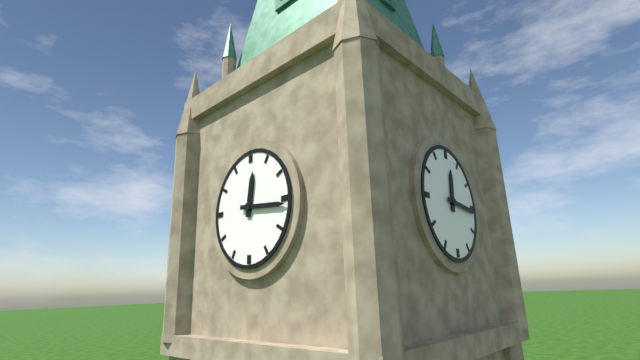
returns 12,16
